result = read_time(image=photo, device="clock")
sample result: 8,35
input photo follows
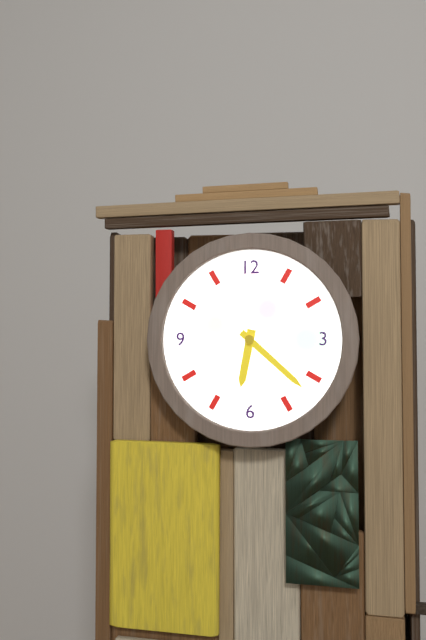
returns 6,22
